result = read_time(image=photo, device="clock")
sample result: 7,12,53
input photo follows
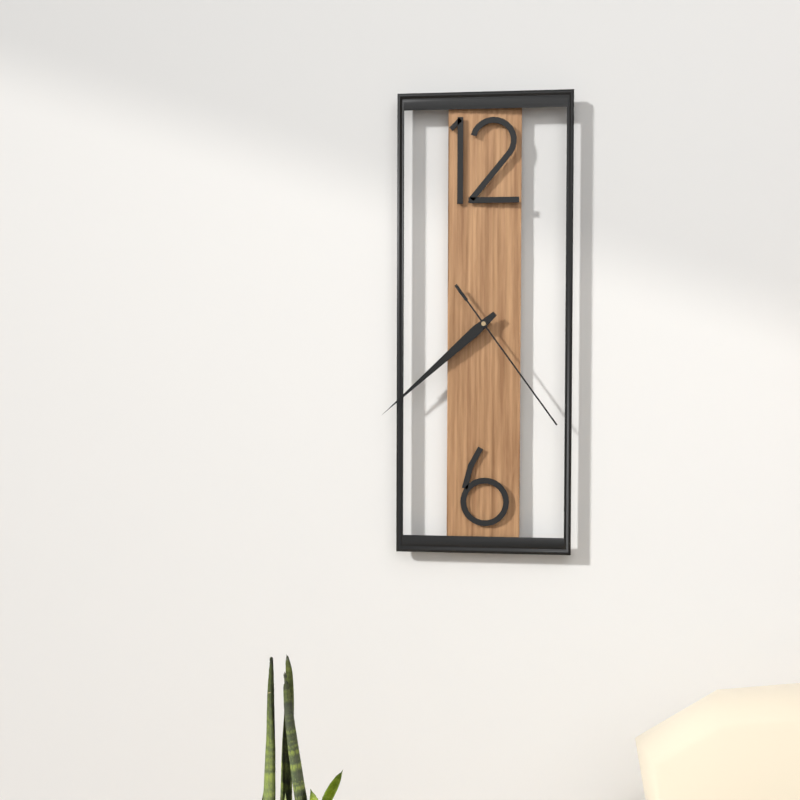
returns 7,38,24
